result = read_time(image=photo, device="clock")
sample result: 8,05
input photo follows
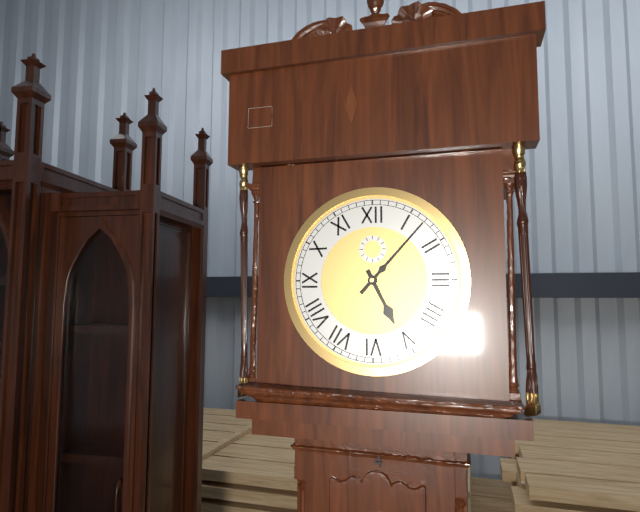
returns 5,07
